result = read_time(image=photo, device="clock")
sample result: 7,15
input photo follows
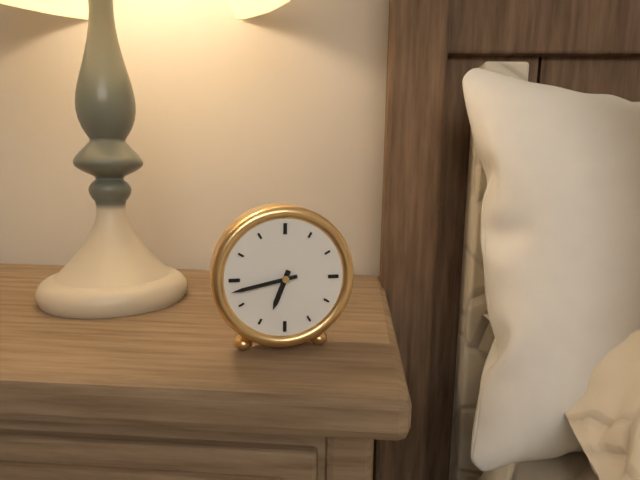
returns 6,43
